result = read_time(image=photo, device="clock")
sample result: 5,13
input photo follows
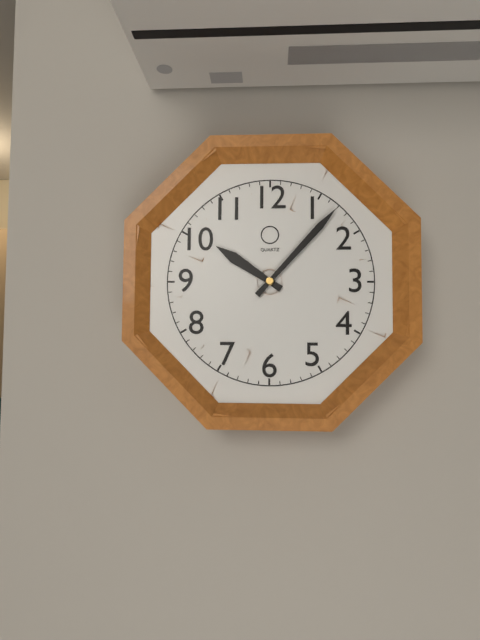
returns 10,07
